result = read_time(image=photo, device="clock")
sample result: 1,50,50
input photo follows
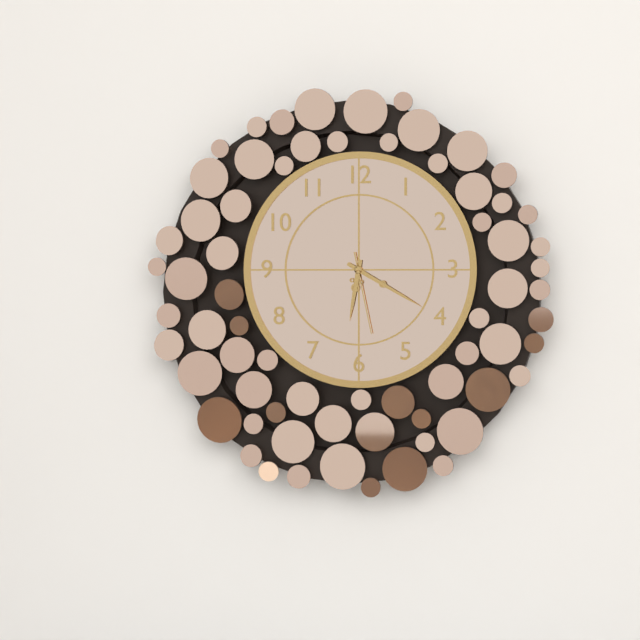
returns 6,20,28
